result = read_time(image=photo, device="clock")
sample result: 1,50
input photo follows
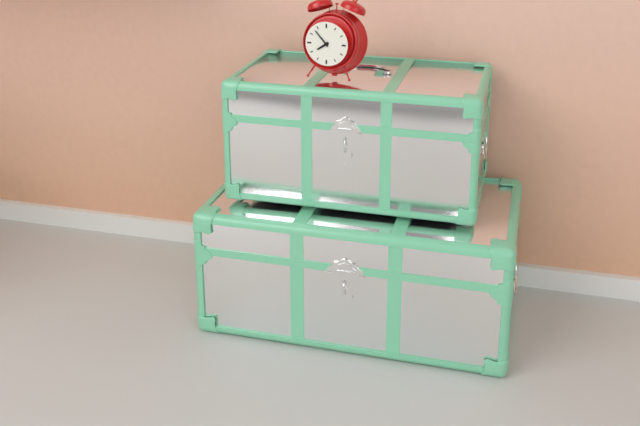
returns 7,53
